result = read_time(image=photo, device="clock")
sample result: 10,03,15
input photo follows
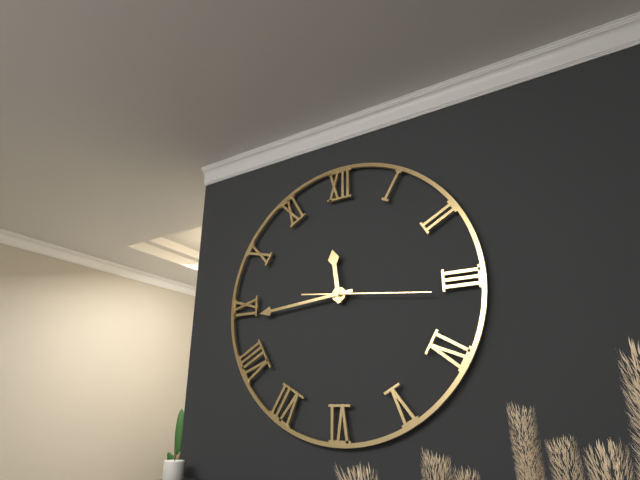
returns 11,44,16
